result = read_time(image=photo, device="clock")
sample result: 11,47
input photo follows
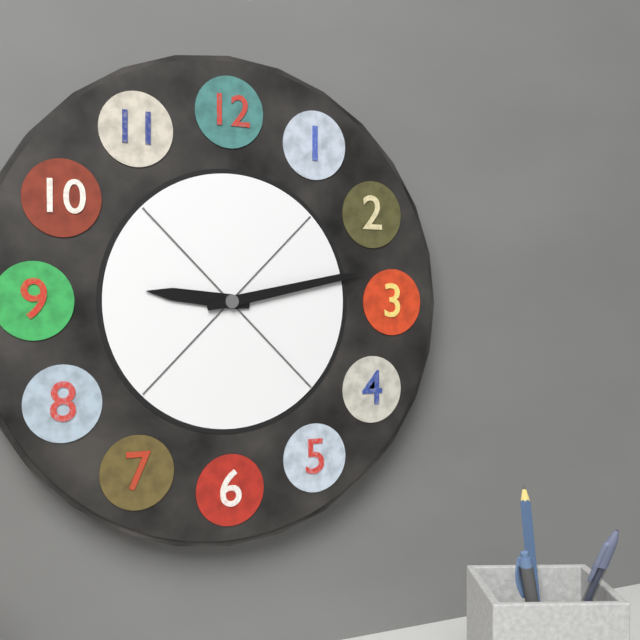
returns 9,13
